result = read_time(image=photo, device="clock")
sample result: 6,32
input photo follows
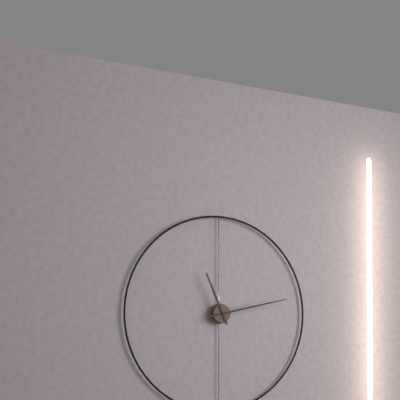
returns 11,13
